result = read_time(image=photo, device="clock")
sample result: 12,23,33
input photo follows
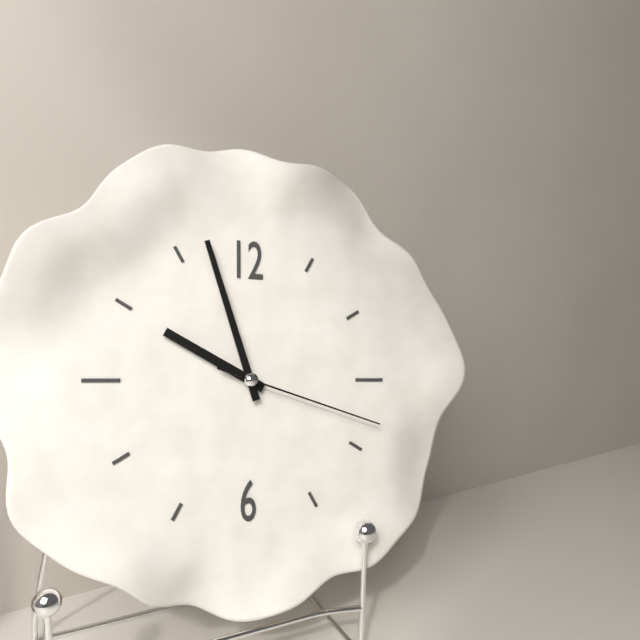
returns 9,57,18
